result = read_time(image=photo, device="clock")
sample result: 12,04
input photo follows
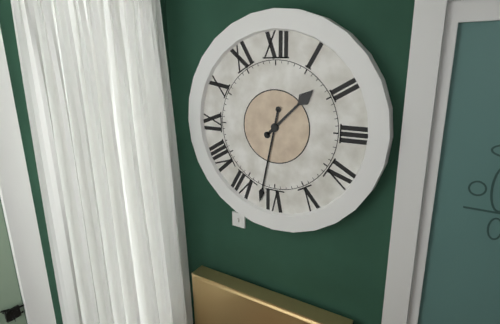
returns 1,32
